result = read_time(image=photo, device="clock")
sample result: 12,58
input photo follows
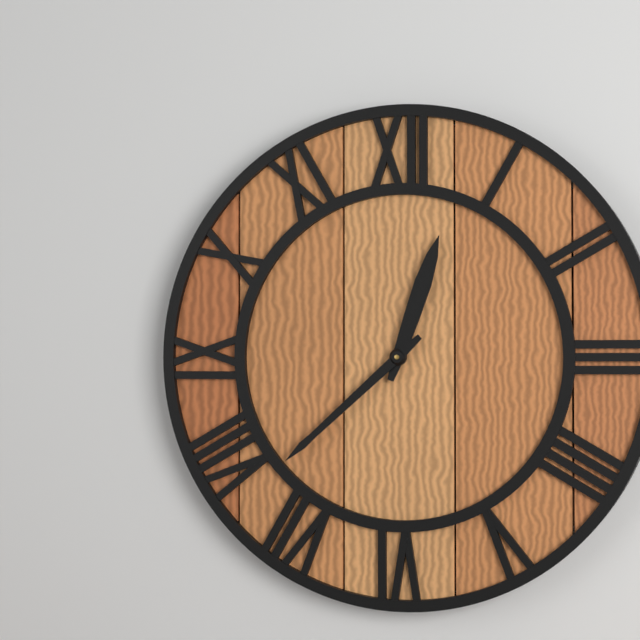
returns 12,38
